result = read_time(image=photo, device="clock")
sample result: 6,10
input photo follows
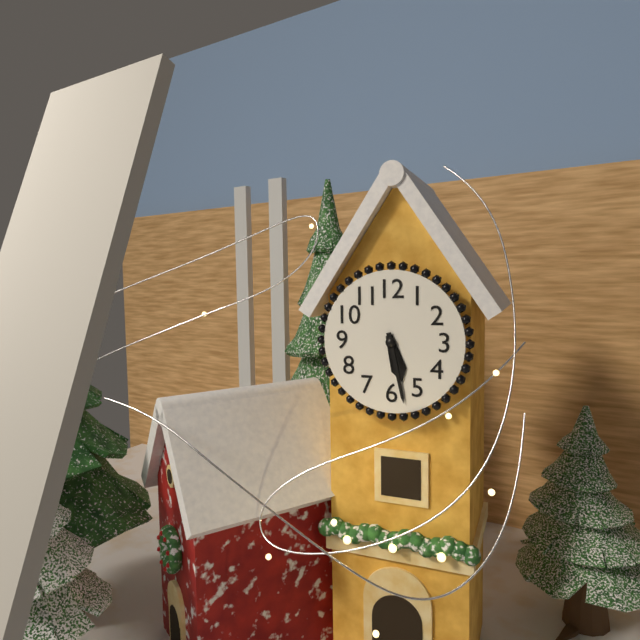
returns 5,28
